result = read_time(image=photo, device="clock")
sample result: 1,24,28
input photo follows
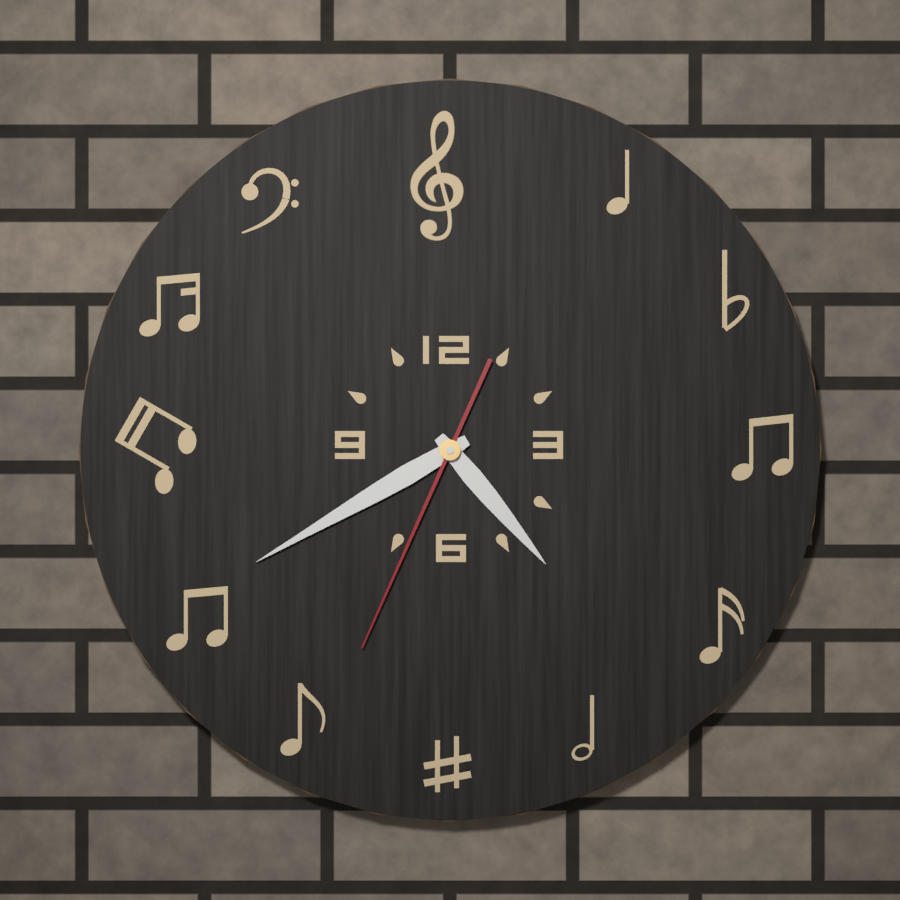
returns 4,40,34
